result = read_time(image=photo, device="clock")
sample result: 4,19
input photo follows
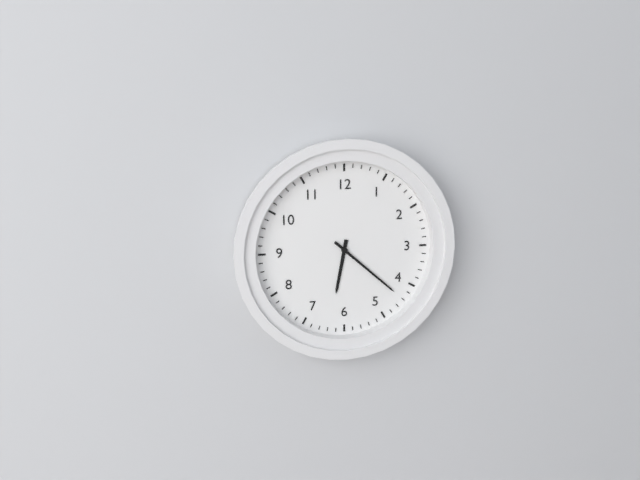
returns 6,22
